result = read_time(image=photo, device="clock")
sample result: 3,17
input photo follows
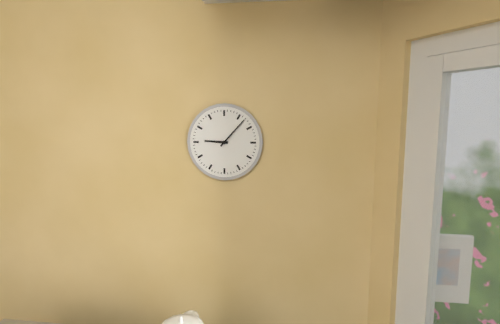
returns 9,07
